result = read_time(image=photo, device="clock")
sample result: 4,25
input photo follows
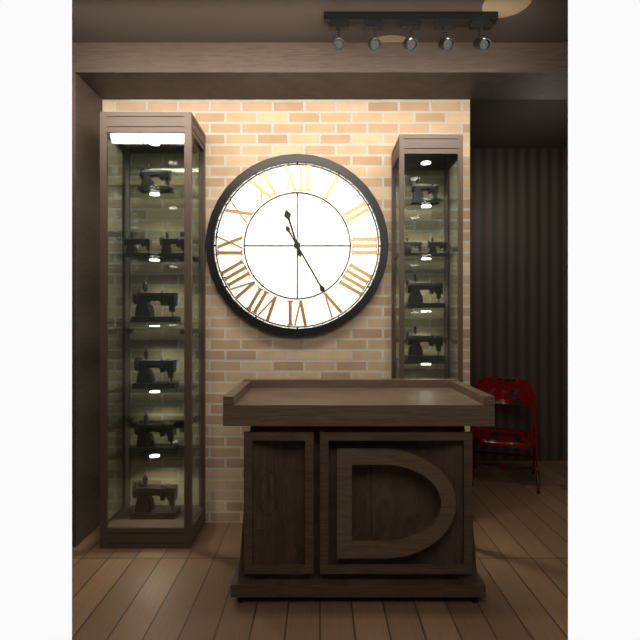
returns 11,25
